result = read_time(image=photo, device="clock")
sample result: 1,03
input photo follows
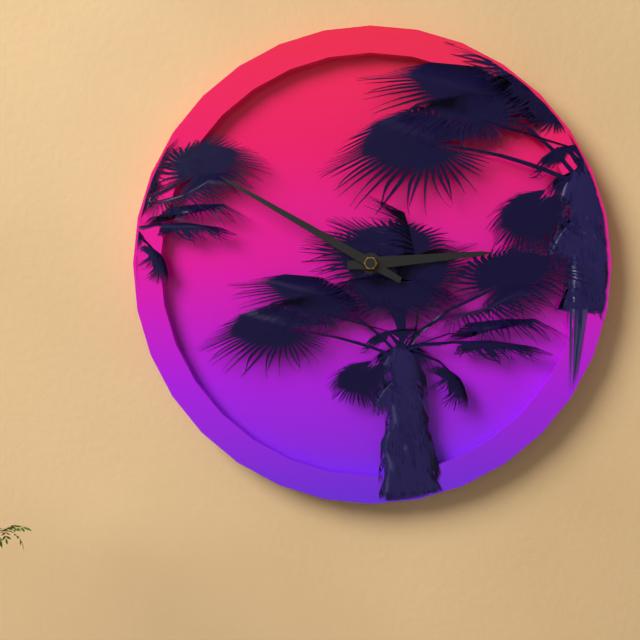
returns 2,50
